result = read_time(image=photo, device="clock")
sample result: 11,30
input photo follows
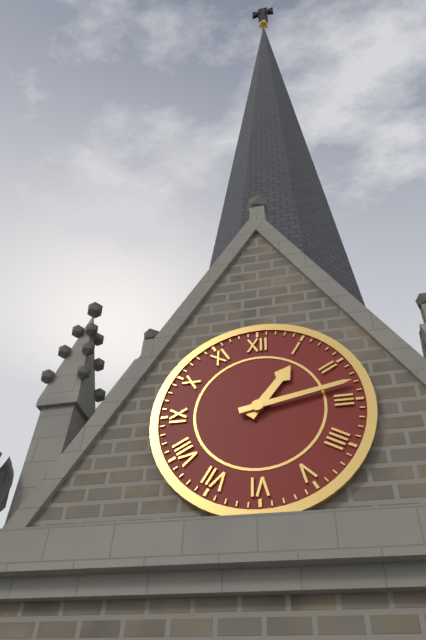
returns 1,13
